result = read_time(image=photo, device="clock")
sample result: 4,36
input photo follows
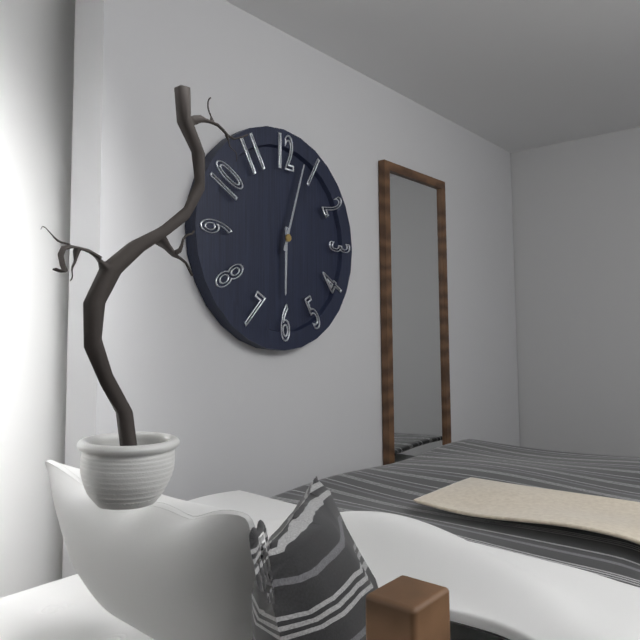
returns 6,03
